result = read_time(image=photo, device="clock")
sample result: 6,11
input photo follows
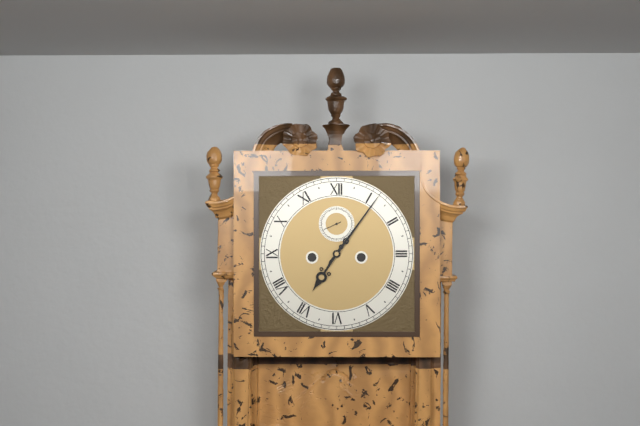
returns 7,06
